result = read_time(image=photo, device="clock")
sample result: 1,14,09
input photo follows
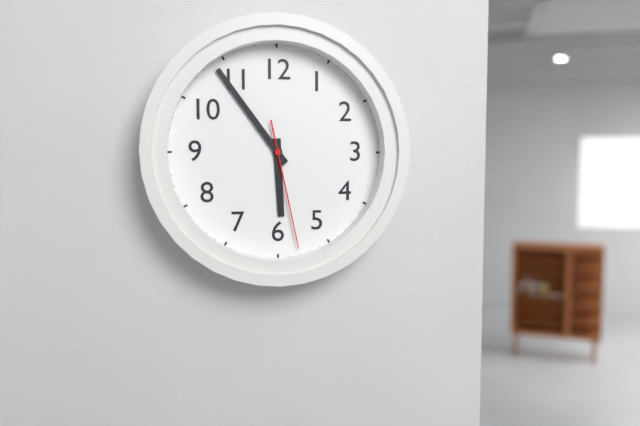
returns 5,54,28
